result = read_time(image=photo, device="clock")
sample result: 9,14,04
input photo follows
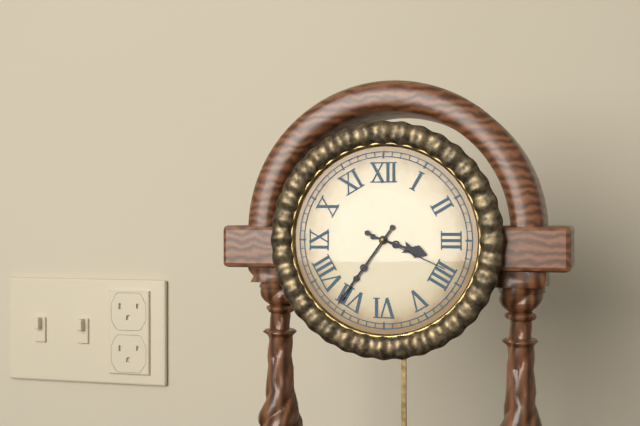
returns 3,36,19
